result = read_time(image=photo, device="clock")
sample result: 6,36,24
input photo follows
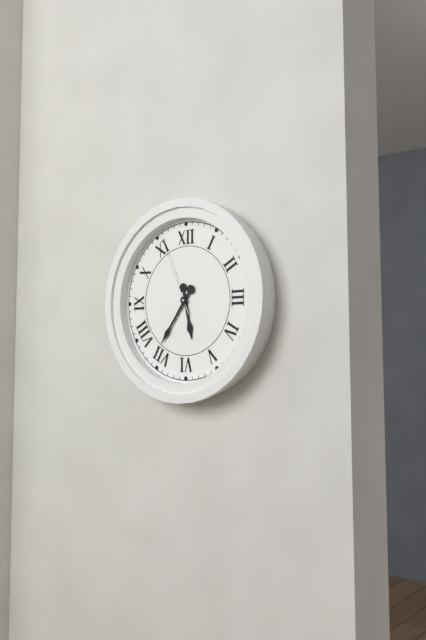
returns 5,36,56
